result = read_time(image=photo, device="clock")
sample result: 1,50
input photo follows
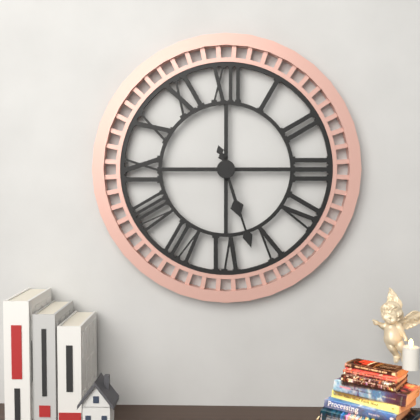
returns 5,27
